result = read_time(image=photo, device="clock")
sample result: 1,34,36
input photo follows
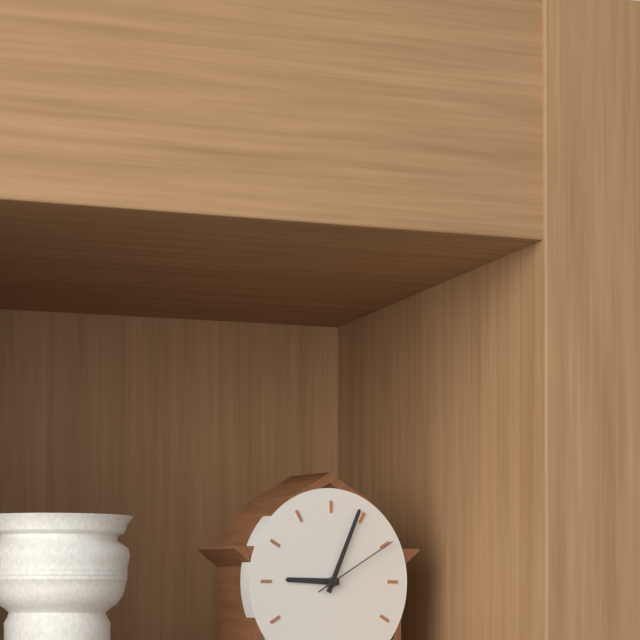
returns 9,04,10
